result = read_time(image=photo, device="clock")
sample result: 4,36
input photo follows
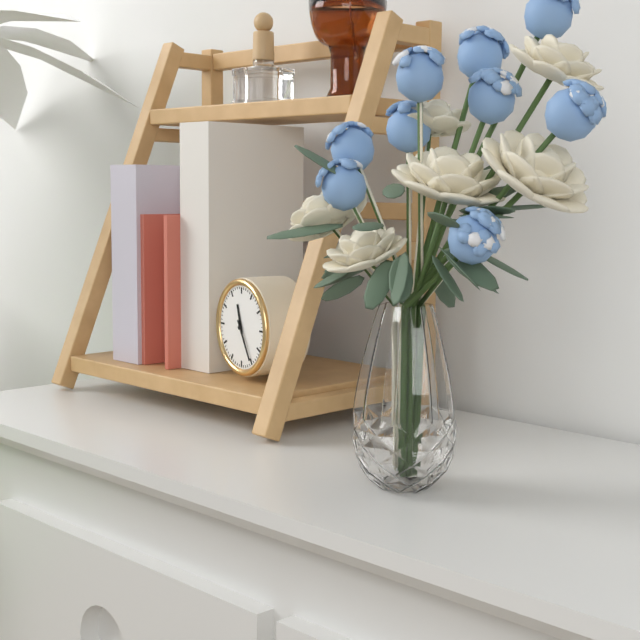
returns 11,25
